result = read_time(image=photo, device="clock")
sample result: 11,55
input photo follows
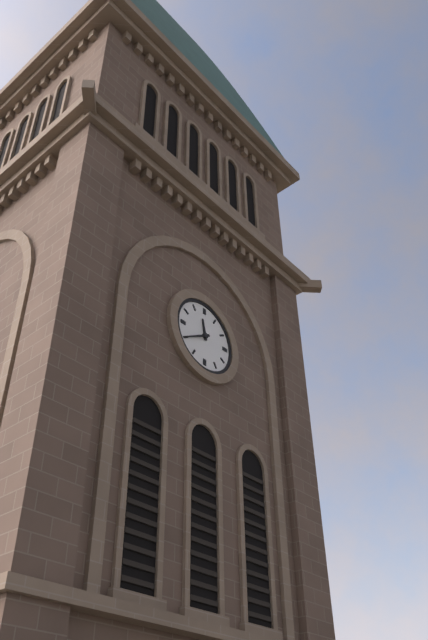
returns 11,40
